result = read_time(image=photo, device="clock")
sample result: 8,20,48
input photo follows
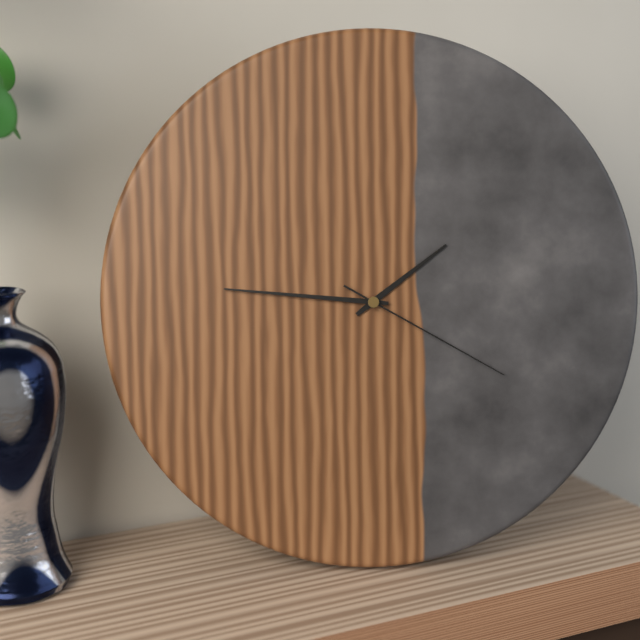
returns 1,46,20
